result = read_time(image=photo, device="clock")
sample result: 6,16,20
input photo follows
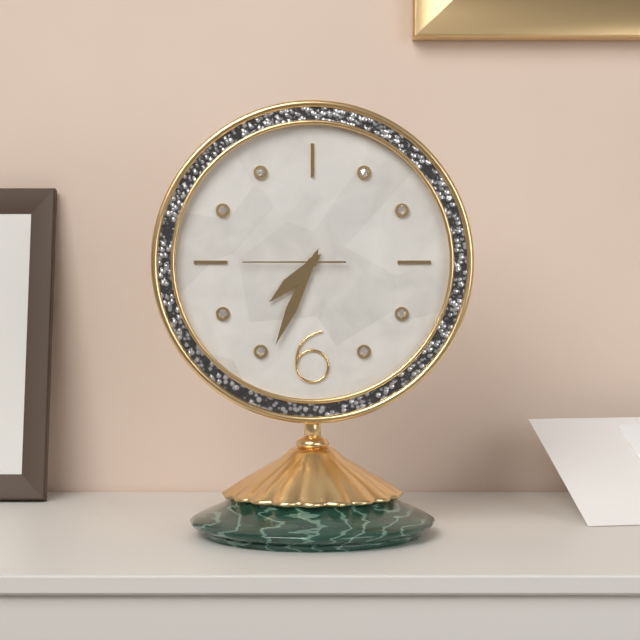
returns 7,34,45
